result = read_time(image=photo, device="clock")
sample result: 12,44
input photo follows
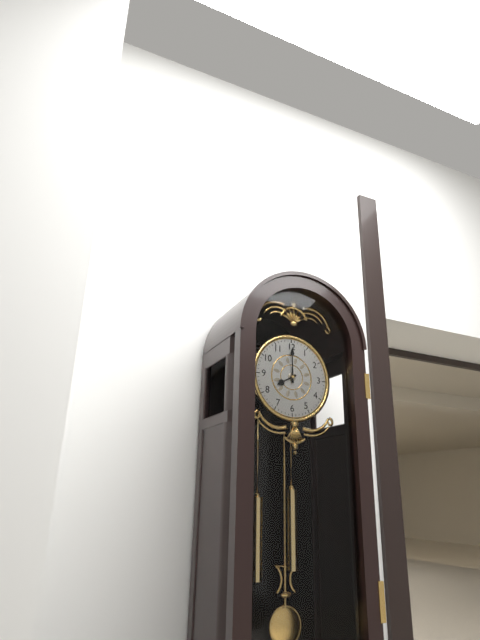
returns 8,00
